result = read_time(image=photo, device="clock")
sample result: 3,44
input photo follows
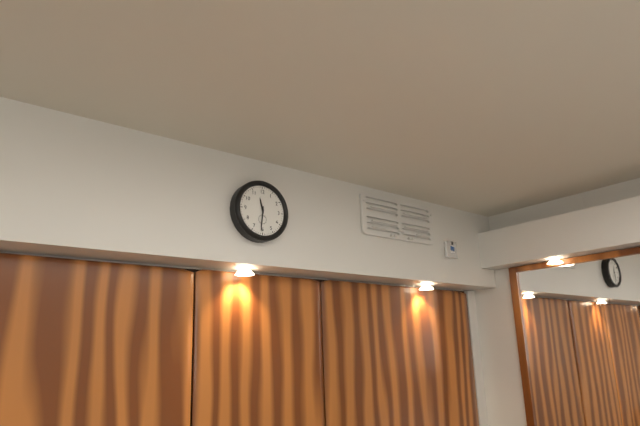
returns 11,31
